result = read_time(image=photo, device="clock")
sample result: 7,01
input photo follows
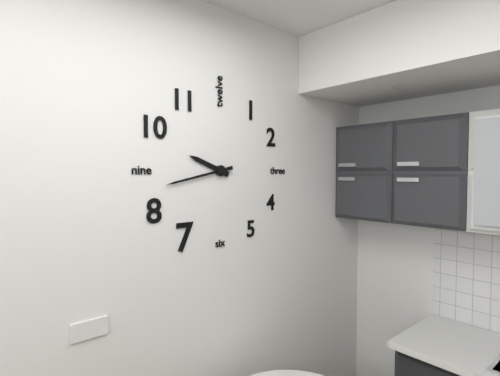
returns 9,43
